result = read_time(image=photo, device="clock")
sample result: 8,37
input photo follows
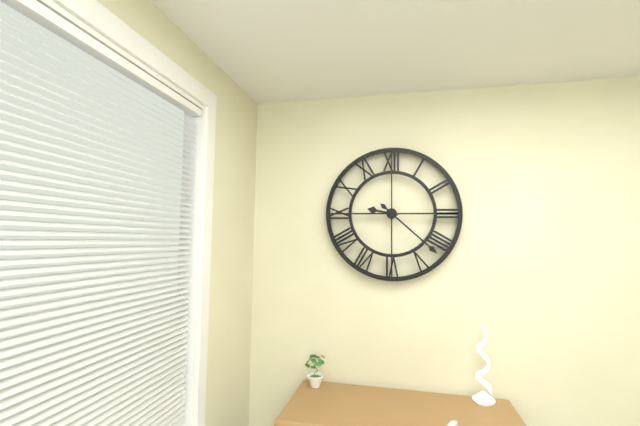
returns 9,22
